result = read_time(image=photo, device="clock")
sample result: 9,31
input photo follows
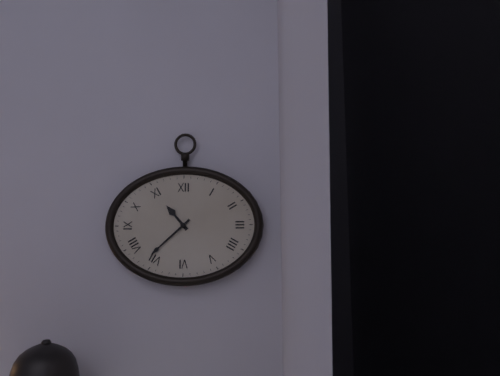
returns 10,38
